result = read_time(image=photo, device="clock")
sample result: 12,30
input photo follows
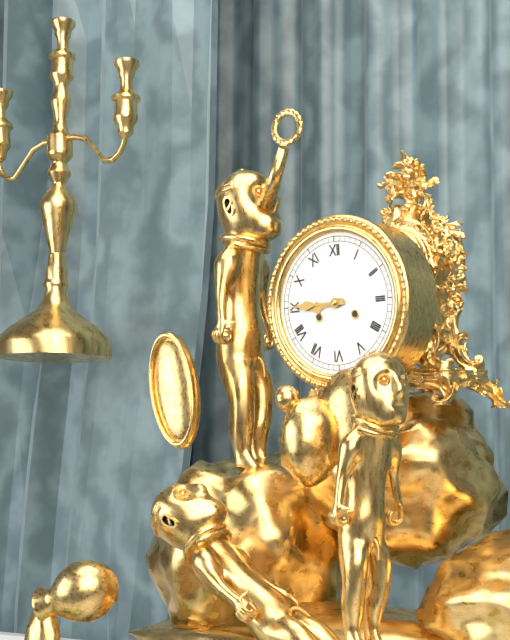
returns 8,45
